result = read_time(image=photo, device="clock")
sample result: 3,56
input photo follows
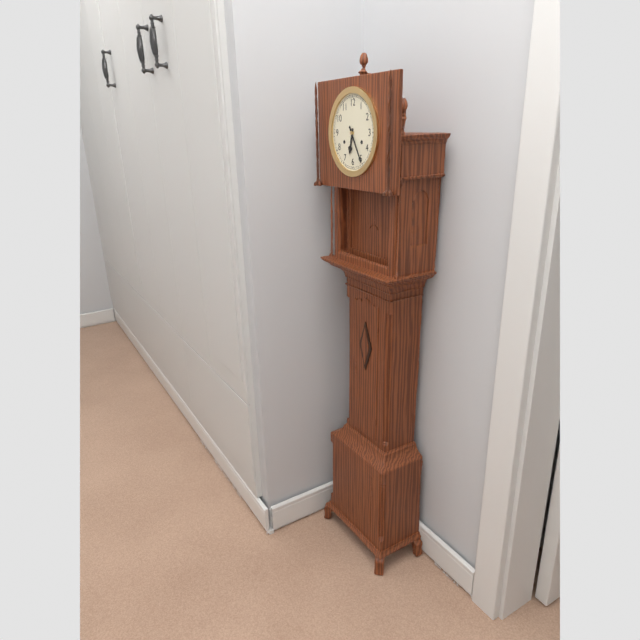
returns 6,25
